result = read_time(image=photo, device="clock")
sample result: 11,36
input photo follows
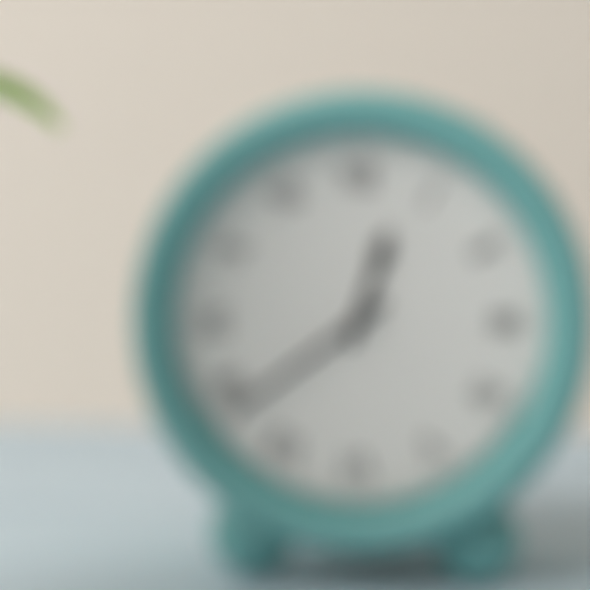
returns 12,39
